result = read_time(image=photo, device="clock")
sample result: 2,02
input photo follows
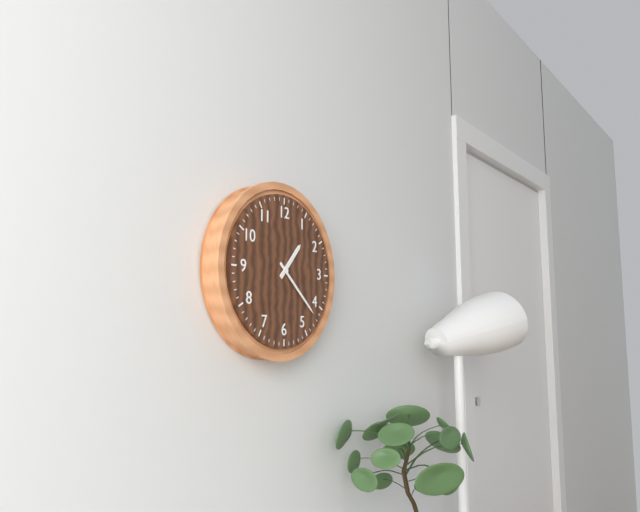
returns 1,22
